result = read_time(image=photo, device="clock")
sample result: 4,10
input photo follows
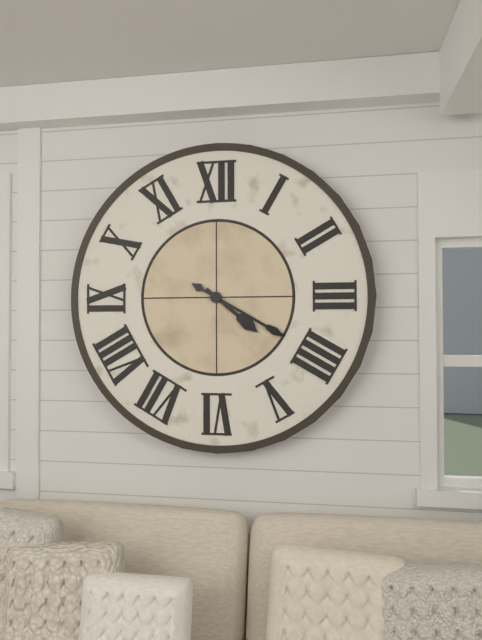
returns 4,20
